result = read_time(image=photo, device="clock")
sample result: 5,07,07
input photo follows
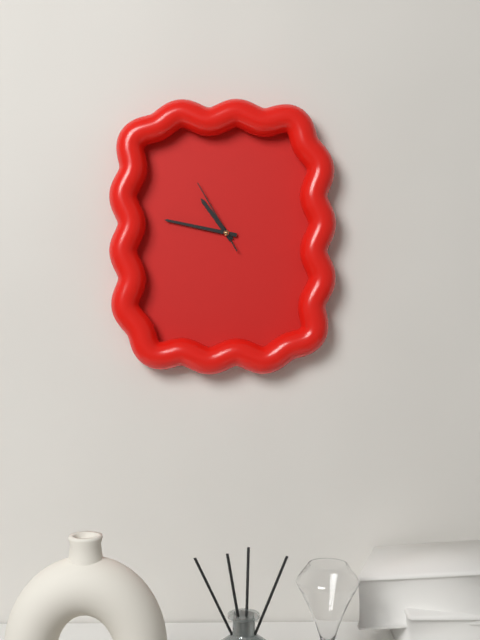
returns 10,47,55
